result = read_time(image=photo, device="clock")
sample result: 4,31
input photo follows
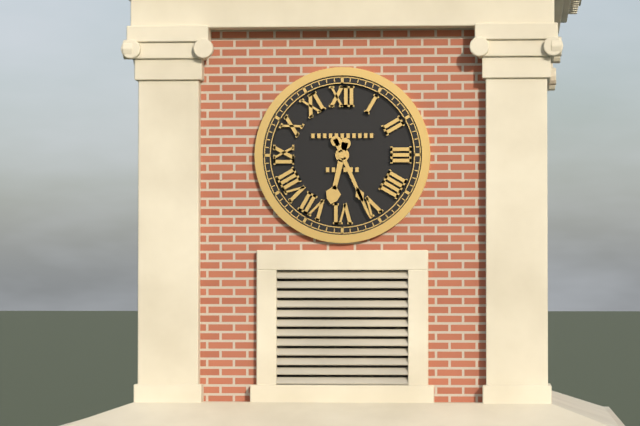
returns 6,26
